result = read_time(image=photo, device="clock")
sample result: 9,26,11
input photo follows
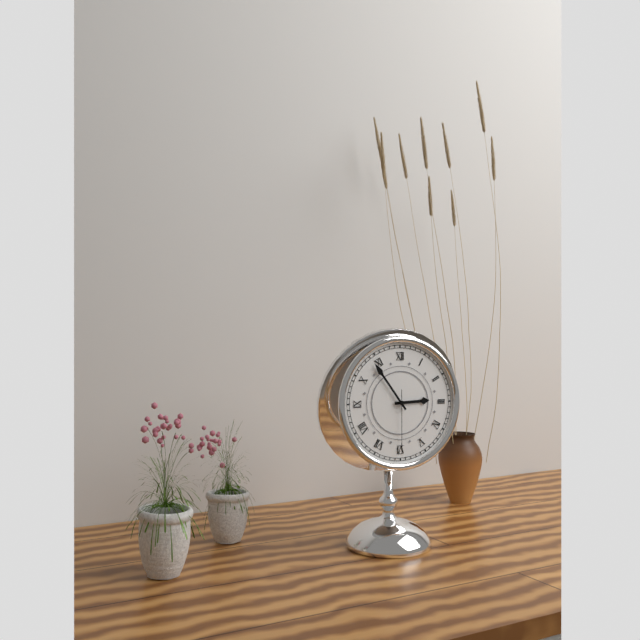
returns 2,54,30
